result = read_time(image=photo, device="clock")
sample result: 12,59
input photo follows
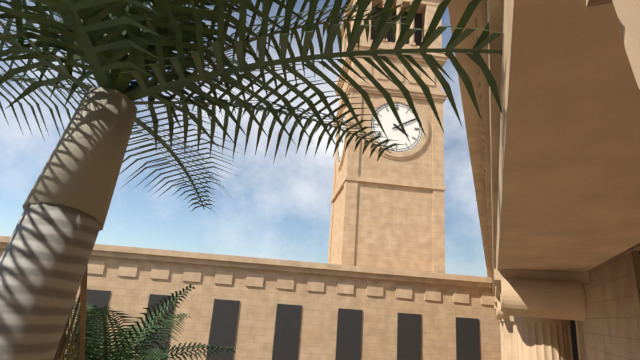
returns 4,10
